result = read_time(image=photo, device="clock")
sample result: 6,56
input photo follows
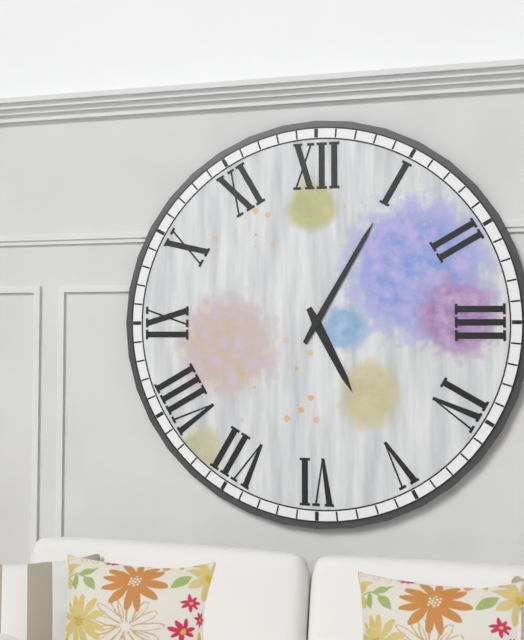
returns 5,05
